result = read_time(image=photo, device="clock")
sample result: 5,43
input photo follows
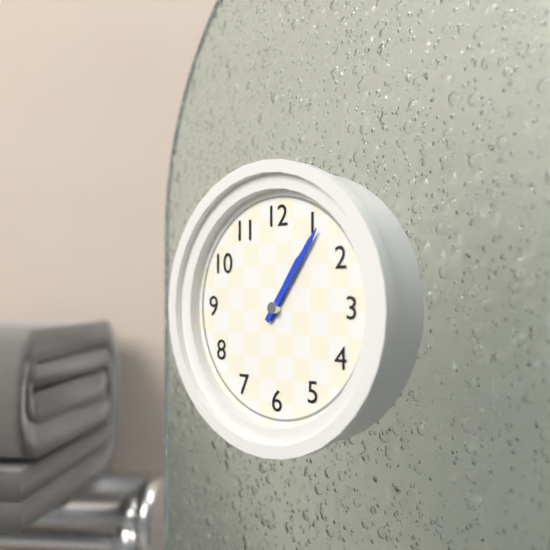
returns 1,06
